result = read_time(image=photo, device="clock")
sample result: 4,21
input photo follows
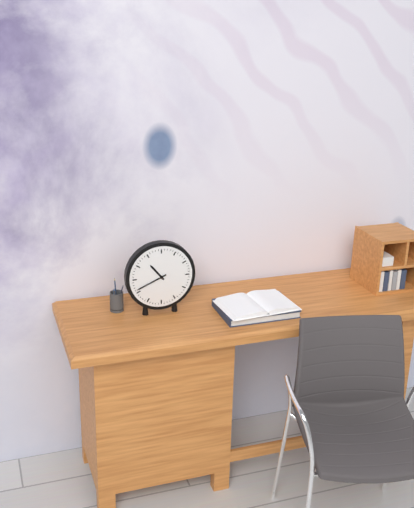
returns 10,41
